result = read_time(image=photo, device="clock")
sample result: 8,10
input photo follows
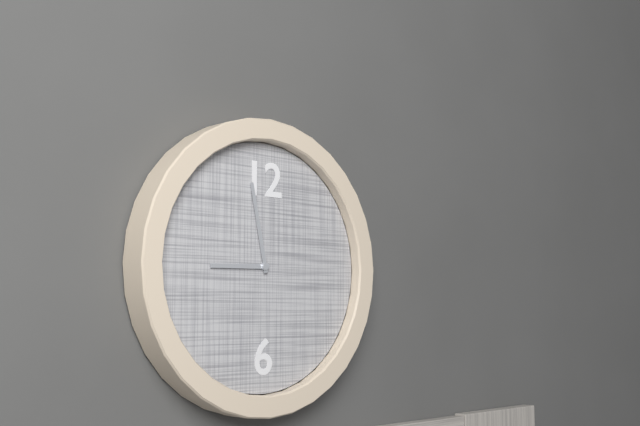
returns 8,58
